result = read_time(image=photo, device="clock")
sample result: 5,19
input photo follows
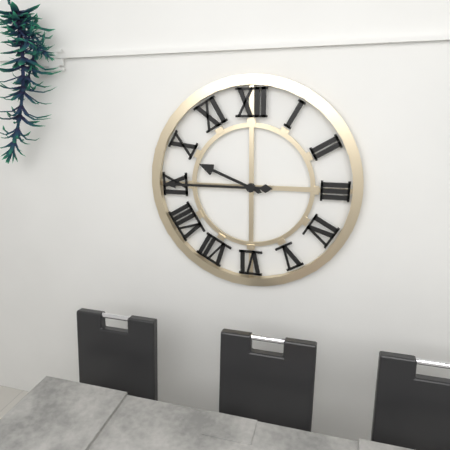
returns 9,45
